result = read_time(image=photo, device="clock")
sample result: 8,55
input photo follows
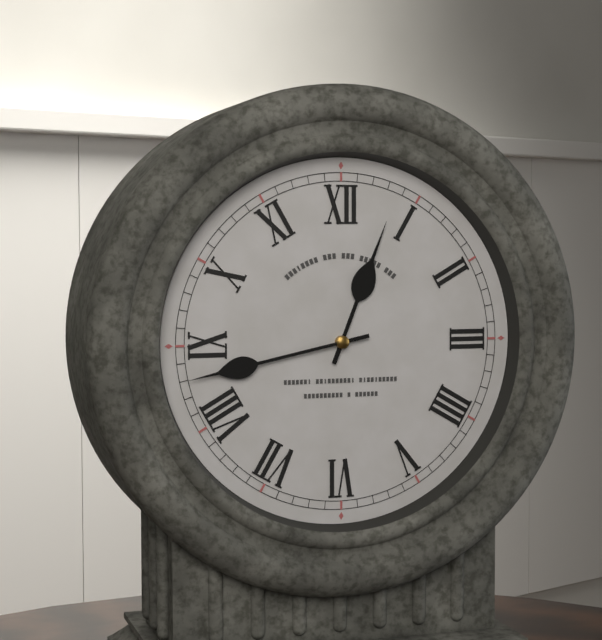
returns 12,43
